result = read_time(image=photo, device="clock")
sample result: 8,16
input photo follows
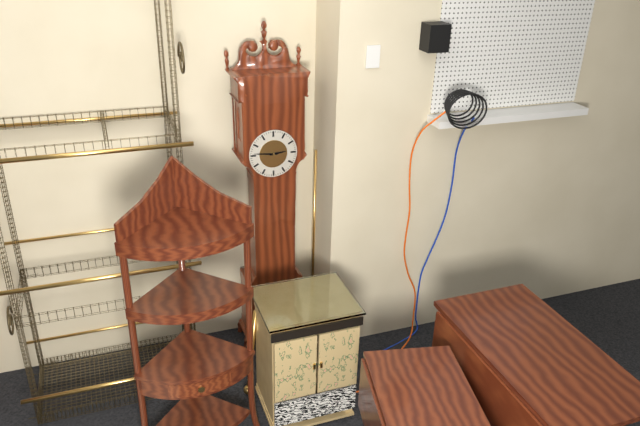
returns 2,46
